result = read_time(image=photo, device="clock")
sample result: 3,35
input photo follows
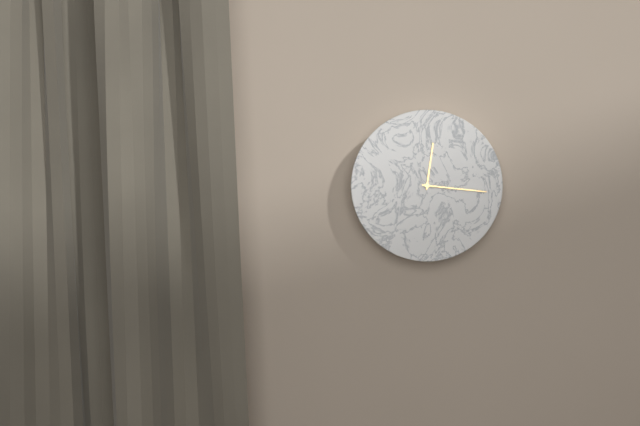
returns 12,16
